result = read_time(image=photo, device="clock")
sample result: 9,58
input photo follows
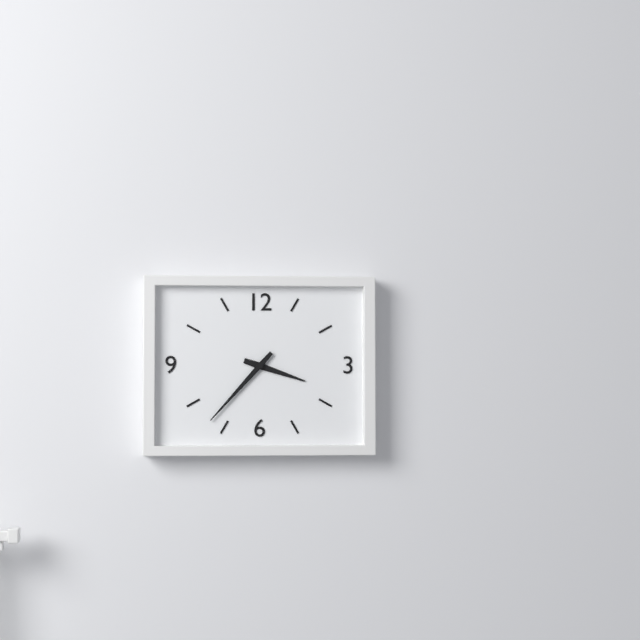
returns 3,37
